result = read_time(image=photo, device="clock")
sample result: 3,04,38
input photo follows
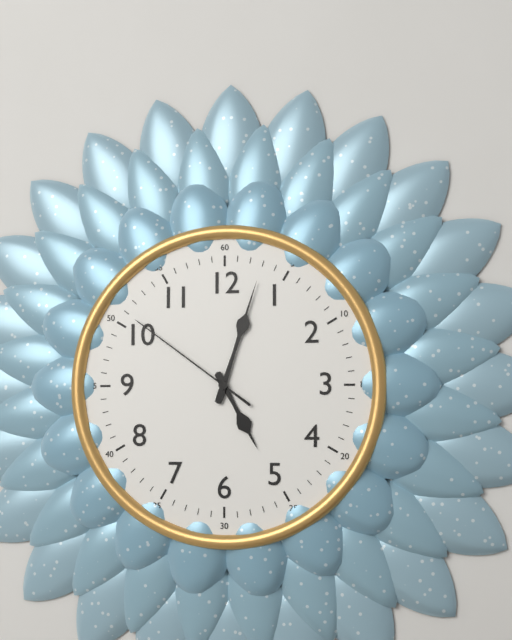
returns 5,03,51
